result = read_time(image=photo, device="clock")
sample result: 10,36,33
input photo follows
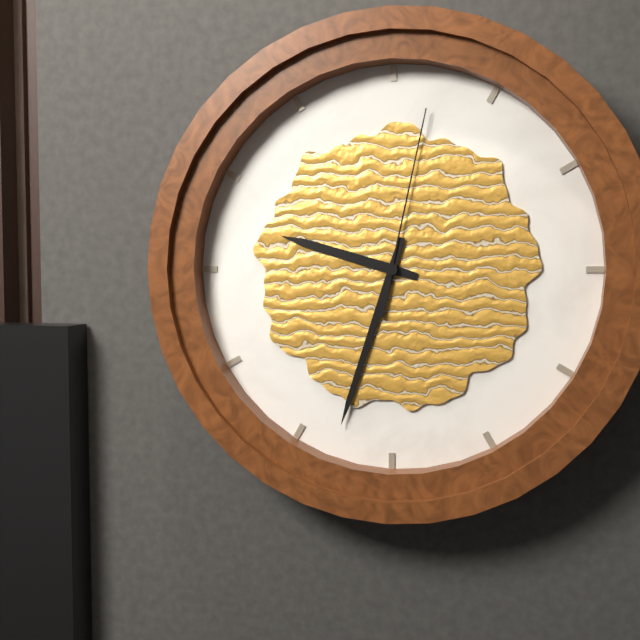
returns 9,33,02
